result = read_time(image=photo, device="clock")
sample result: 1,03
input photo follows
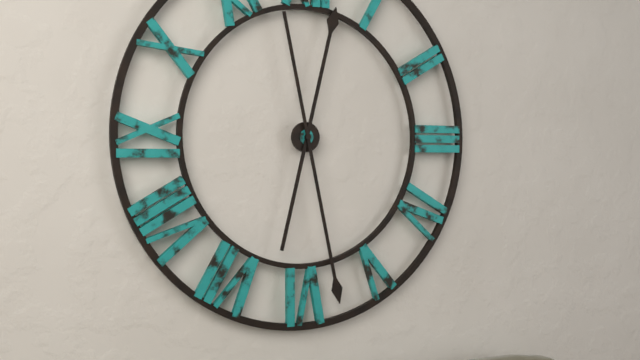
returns 12,28
